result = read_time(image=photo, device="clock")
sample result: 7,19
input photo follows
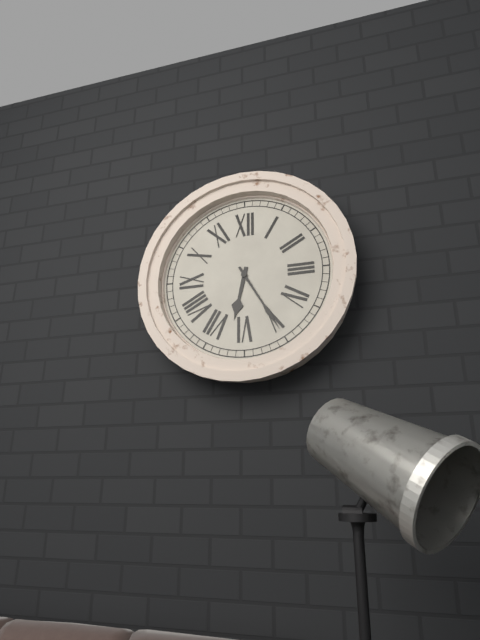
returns 6,25
